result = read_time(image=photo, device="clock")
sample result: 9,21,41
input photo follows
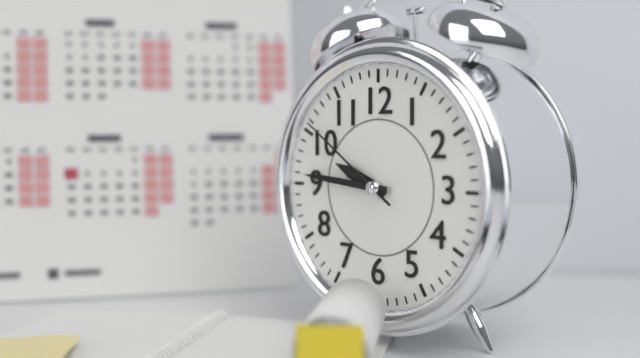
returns 9,46,51
